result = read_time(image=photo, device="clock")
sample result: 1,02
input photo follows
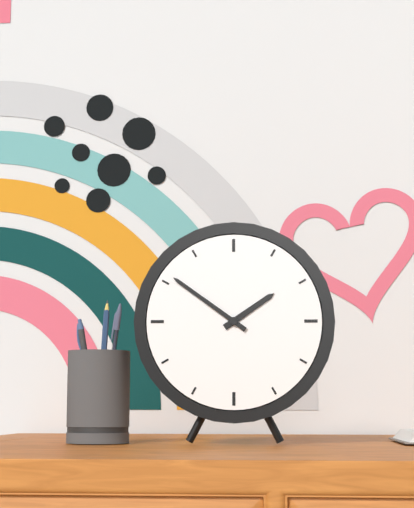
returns 1,51
